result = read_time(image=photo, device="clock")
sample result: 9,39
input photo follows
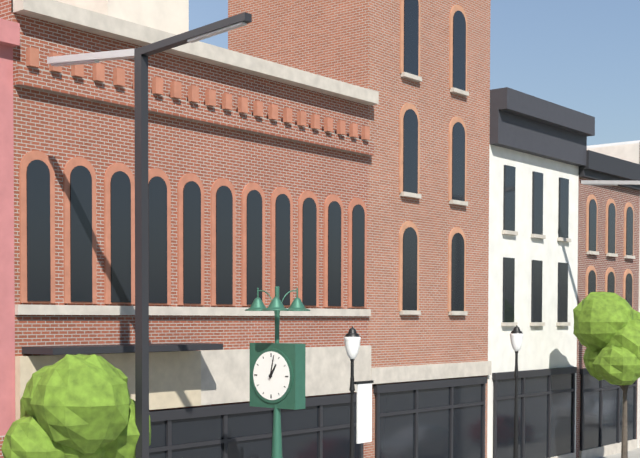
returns 1,02
